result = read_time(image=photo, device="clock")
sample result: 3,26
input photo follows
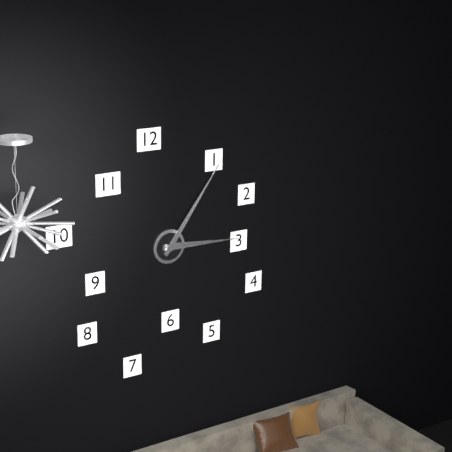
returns 3,06
